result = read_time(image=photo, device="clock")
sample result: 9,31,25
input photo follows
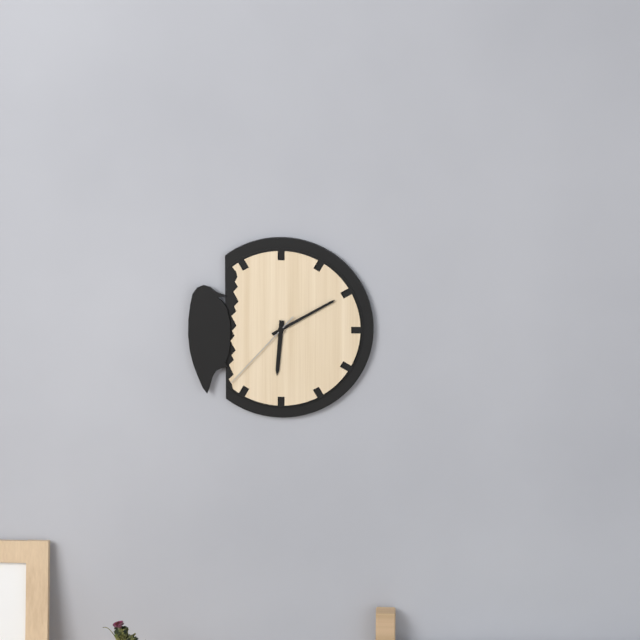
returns 6,10,37
